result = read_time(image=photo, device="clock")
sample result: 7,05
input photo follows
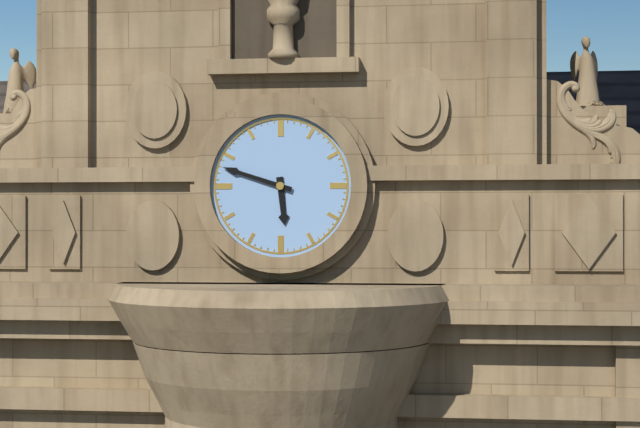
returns 5,48
